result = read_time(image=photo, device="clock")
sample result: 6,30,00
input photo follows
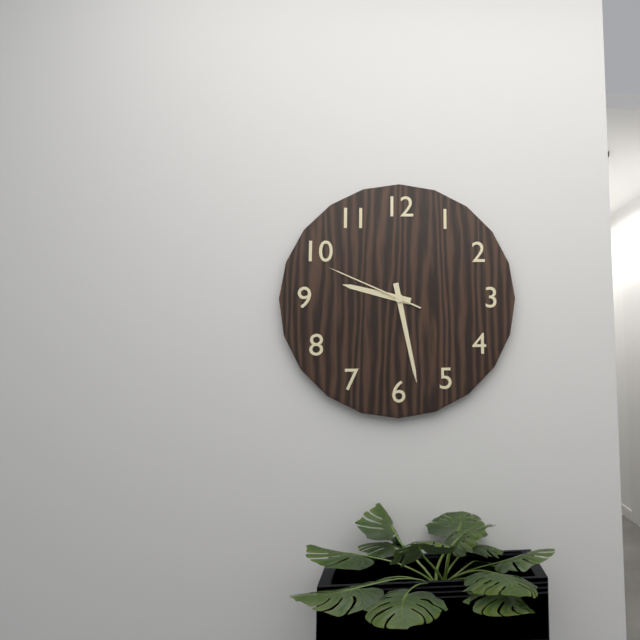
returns 9,28,49
